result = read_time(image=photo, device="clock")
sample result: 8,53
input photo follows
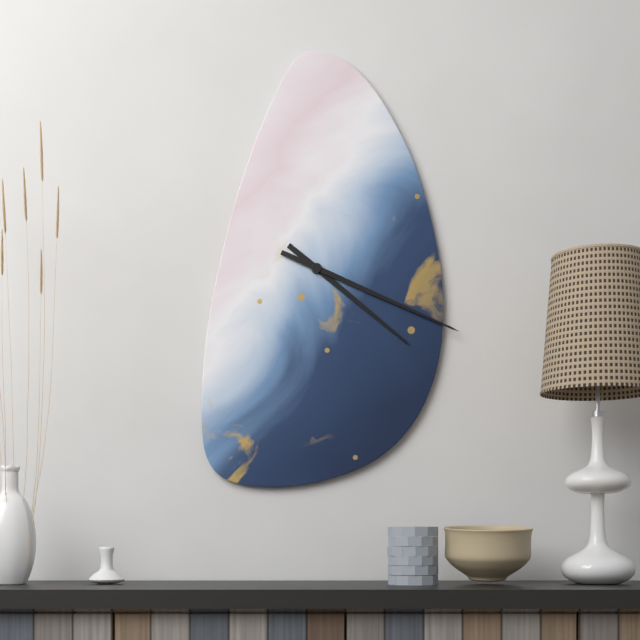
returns 4,19
